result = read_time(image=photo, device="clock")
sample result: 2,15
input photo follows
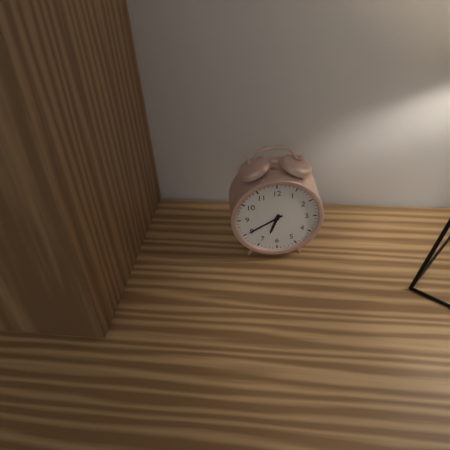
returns 6,40
